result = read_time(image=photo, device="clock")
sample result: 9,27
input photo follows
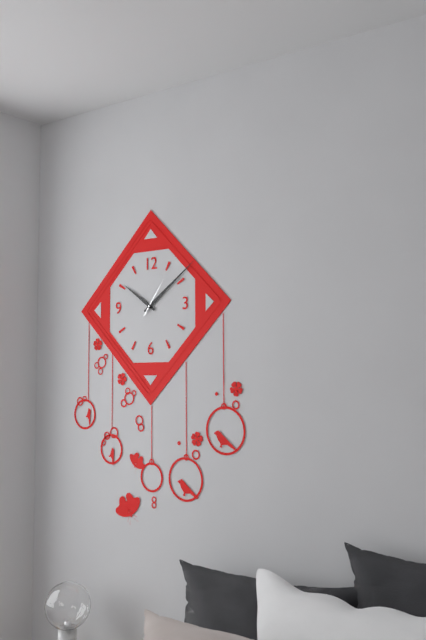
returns 10,09
